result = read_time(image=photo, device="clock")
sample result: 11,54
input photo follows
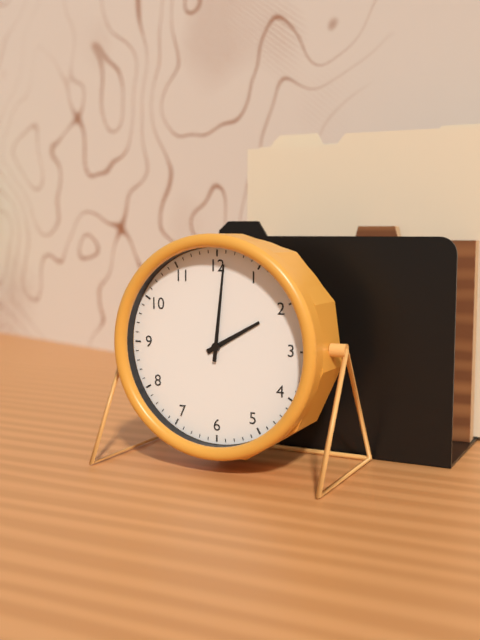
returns 2,01
